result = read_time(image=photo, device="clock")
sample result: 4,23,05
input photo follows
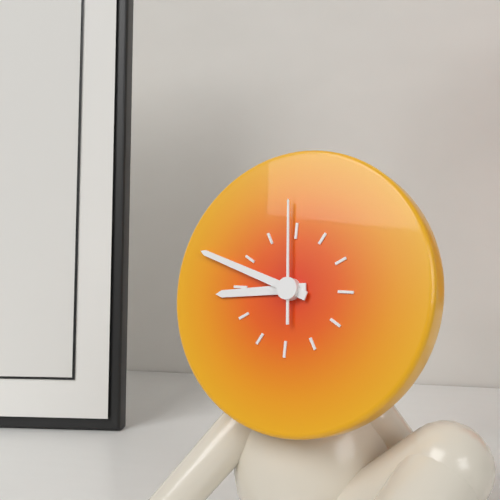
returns 8,48,59
